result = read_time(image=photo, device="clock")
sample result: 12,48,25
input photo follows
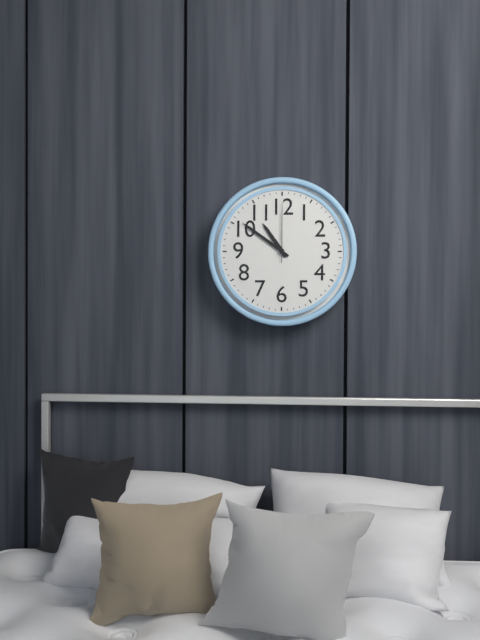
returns 10,51,00
